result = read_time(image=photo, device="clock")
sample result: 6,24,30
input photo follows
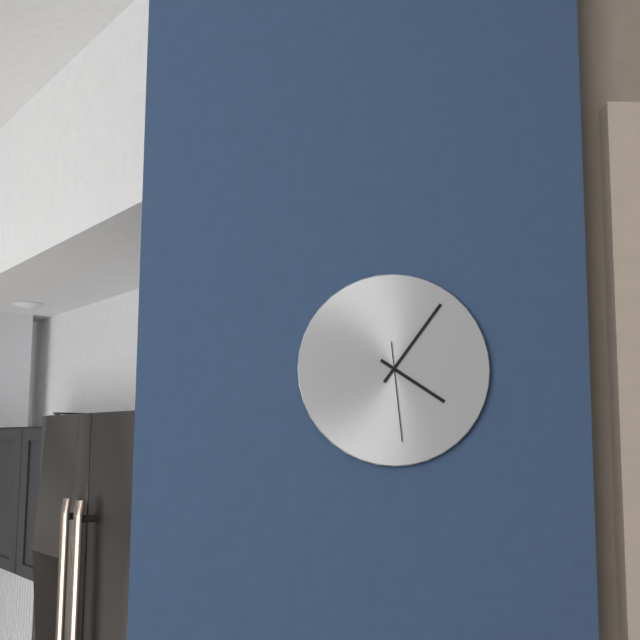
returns 4,06,29
